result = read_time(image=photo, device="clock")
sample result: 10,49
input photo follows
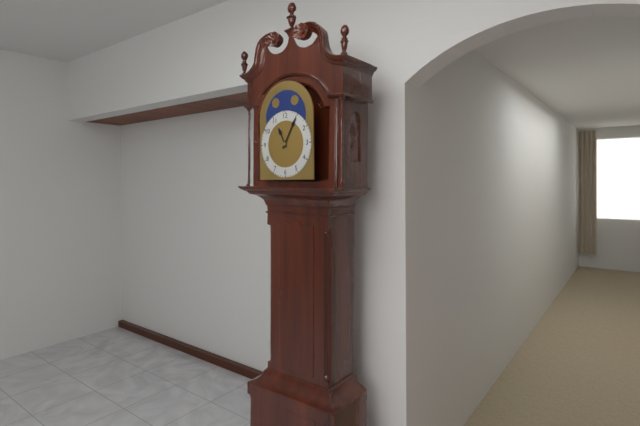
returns 11,05
